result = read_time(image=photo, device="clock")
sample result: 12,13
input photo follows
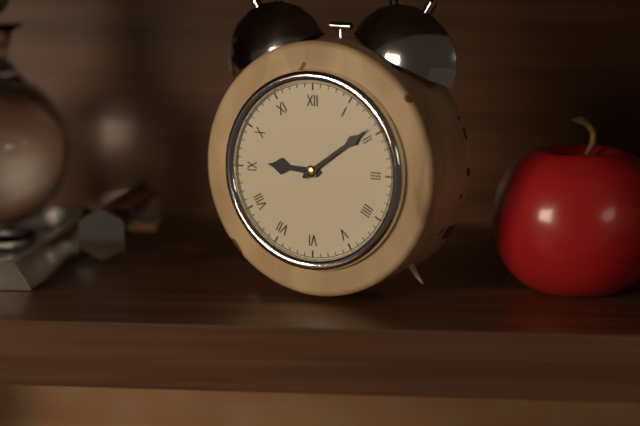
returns 9,09
